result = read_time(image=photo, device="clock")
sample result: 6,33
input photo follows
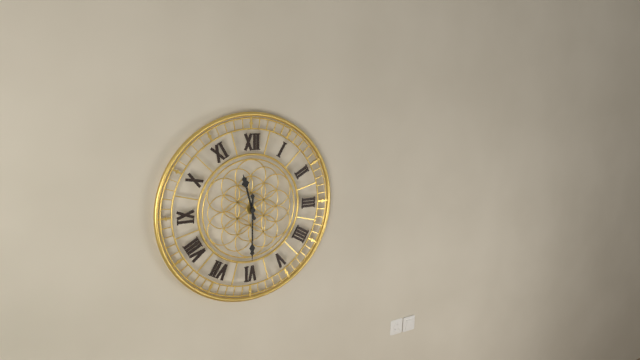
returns 11,30
